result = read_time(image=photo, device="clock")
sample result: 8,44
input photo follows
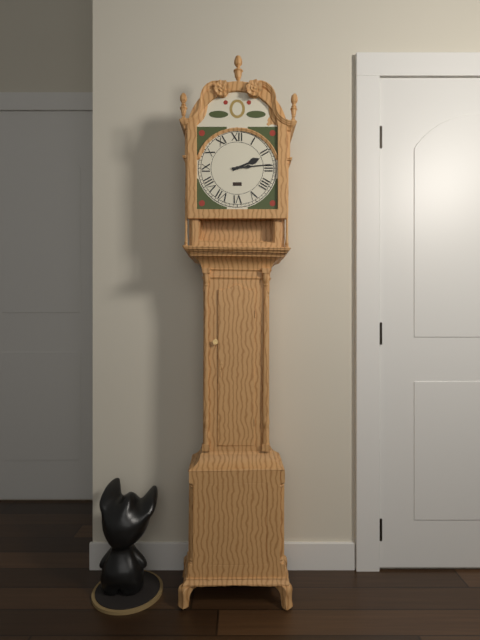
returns 2,14
